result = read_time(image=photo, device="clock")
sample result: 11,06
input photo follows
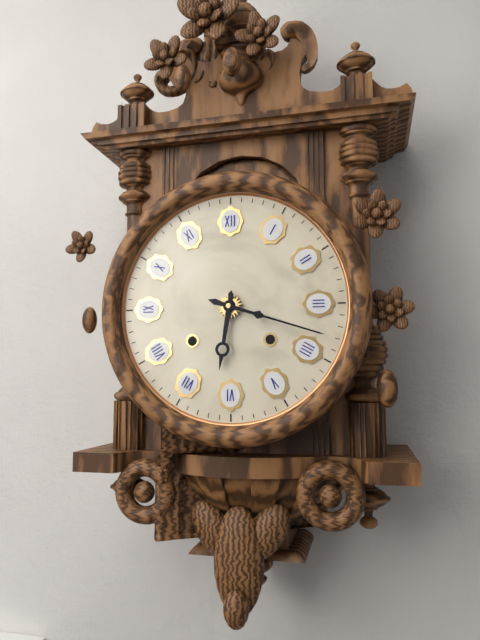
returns 6,18
